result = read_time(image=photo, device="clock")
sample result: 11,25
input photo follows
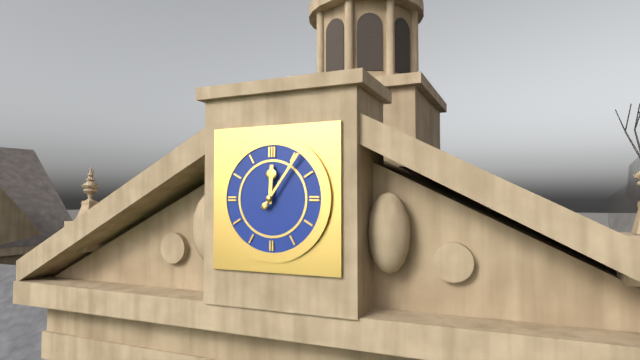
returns 12,06
